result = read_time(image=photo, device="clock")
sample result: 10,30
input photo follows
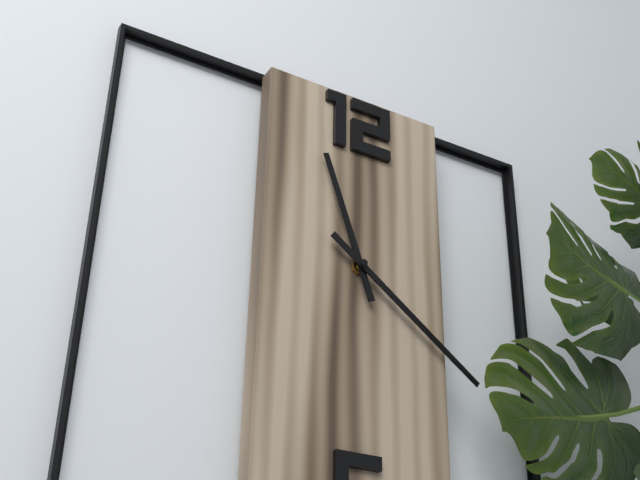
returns 11,21
